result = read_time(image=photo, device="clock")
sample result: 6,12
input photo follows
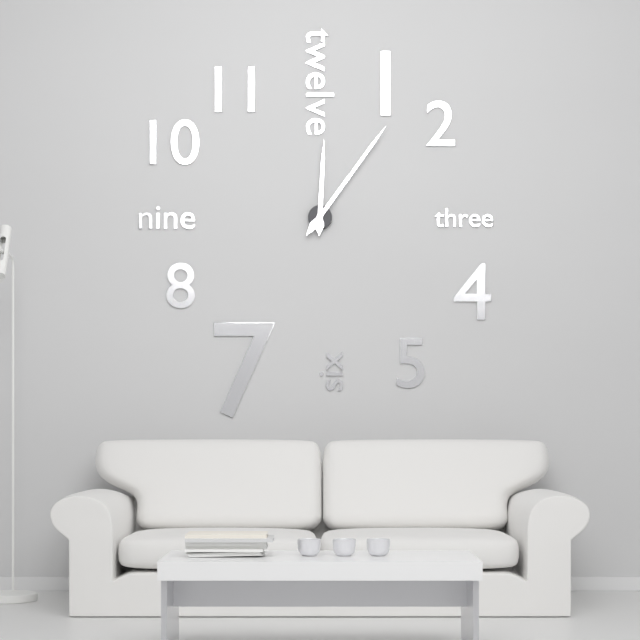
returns 12,06
